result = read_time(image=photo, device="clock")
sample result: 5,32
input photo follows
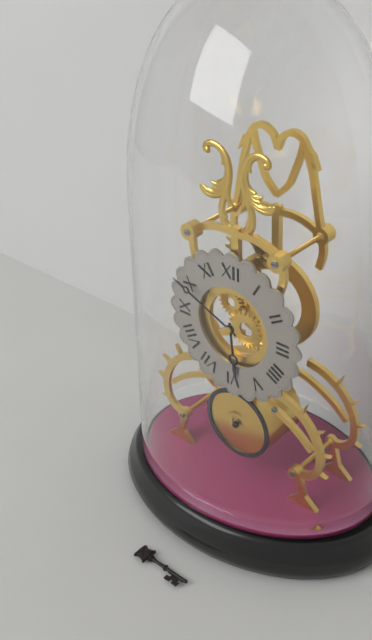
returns 5,49
